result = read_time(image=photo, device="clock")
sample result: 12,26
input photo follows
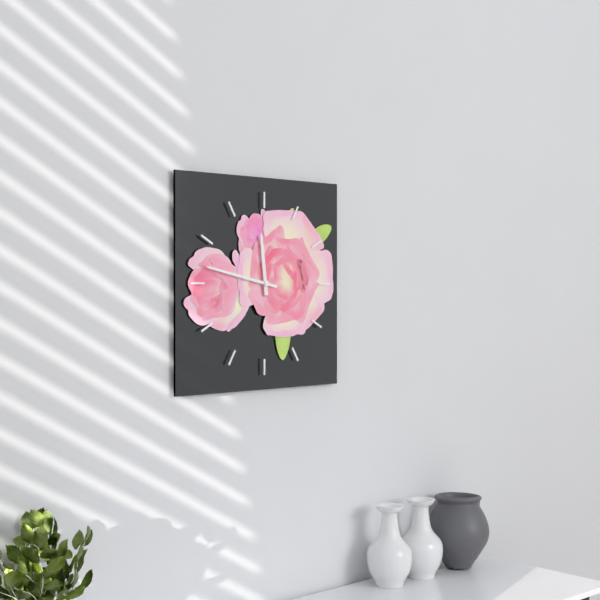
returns 11,47
